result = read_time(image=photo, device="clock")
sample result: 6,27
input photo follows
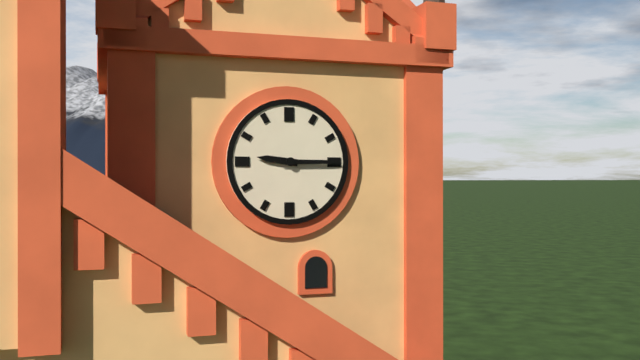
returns 9,15
